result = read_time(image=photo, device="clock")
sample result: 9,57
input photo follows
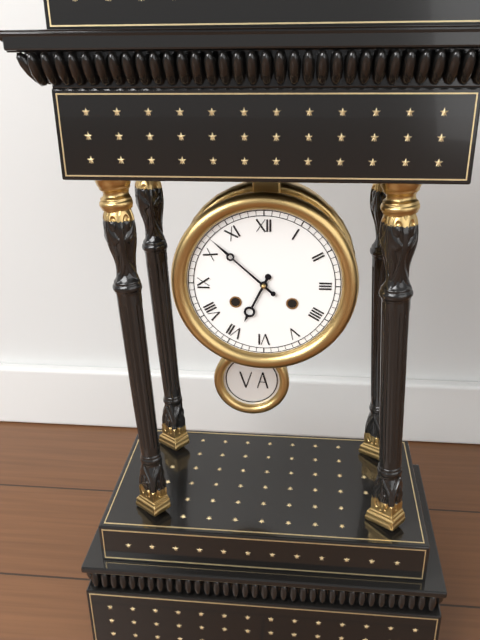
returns 6,52
